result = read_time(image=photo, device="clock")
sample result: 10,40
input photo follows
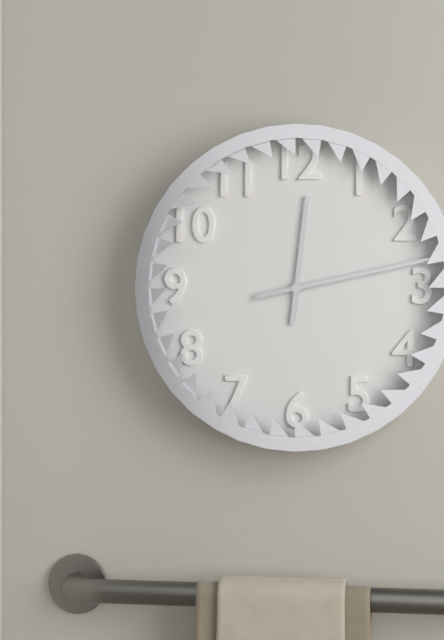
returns 12,13
